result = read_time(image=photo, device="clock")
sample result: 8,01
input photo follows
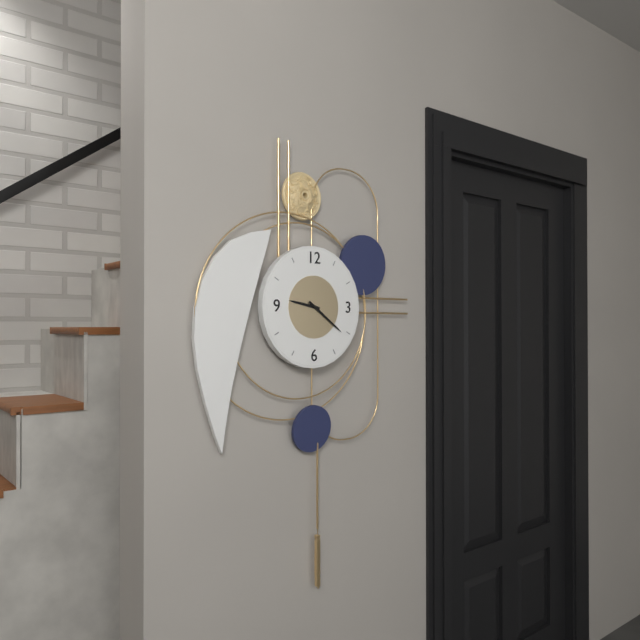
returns 9,21
